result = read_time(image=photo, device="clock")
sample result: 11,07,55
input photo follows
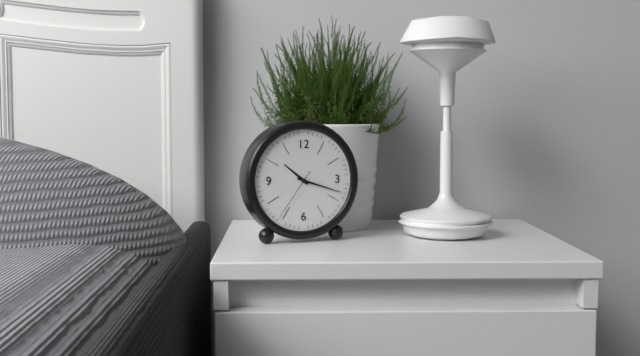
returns 10,18,36
